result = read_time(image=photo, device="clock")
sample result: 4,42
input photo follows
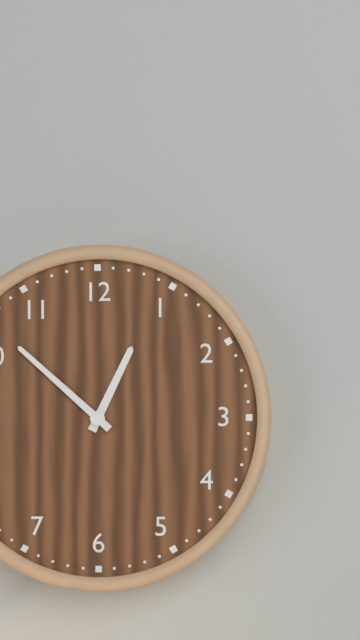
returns 12,52
